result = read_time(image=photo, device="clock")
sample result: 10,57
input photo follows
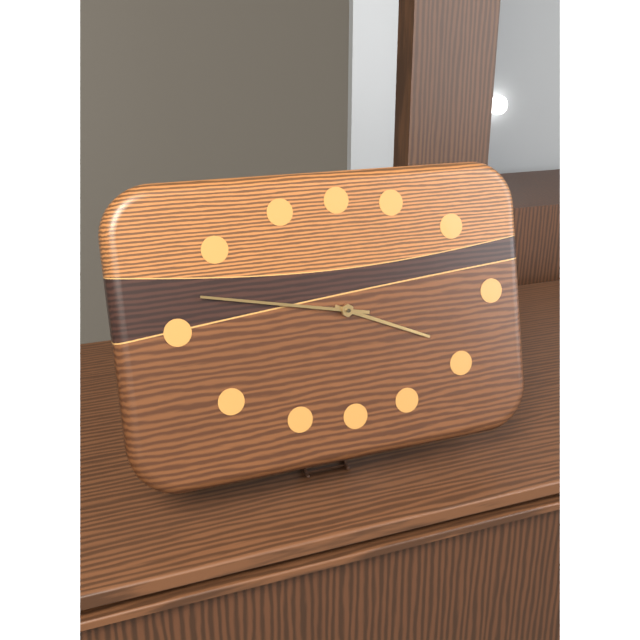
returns 3,47
